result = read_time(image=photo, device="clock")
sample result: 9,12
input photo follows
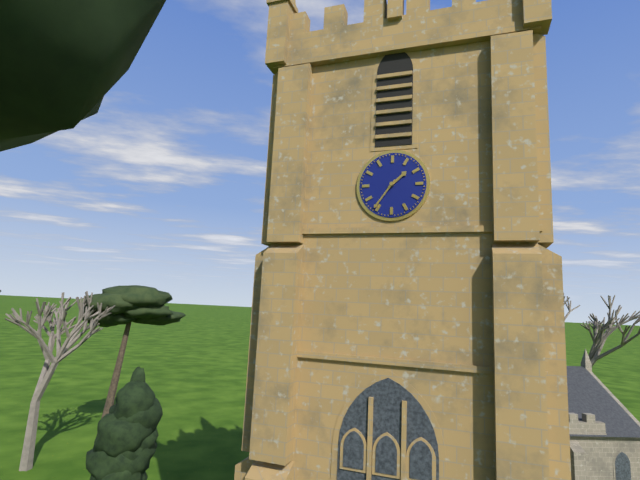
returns 1,36
